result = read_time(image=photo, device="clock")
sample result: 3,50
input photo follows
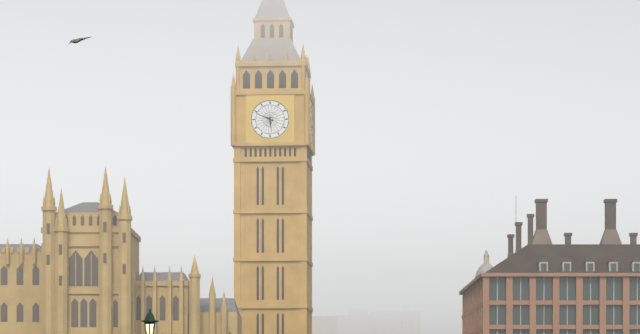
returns 5,49
